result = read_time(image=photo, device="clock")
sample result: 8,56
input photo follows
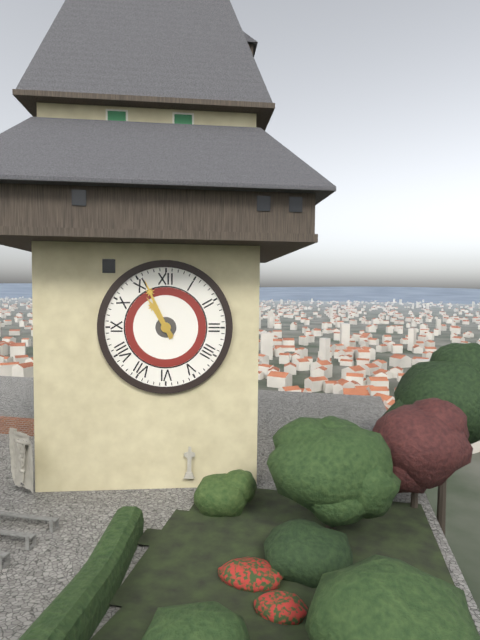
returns 10,56
